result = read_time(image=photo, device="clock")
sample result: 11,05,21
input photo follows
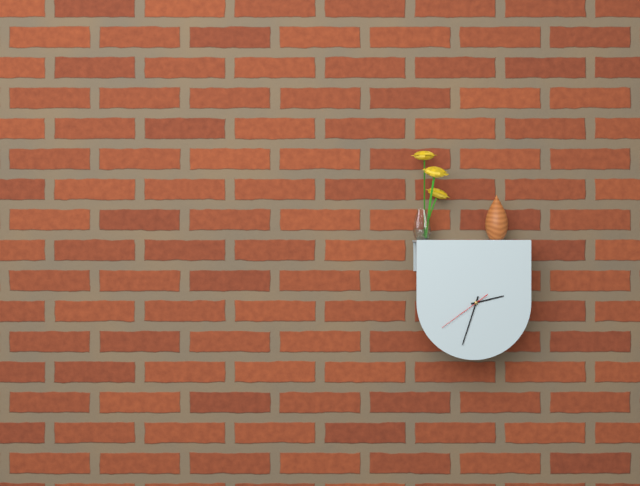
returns 2,33,39
